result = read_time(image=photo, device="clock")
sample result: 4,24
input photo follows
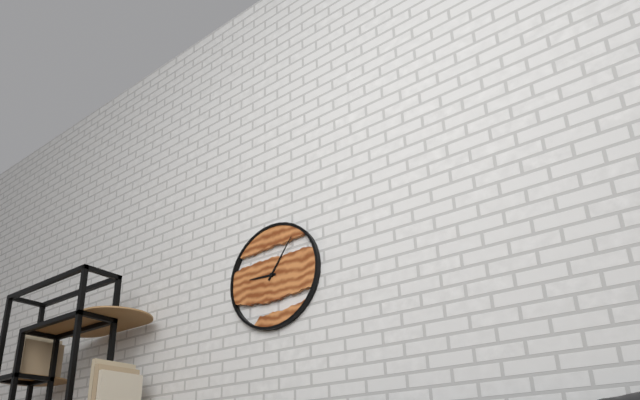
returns 9,06
